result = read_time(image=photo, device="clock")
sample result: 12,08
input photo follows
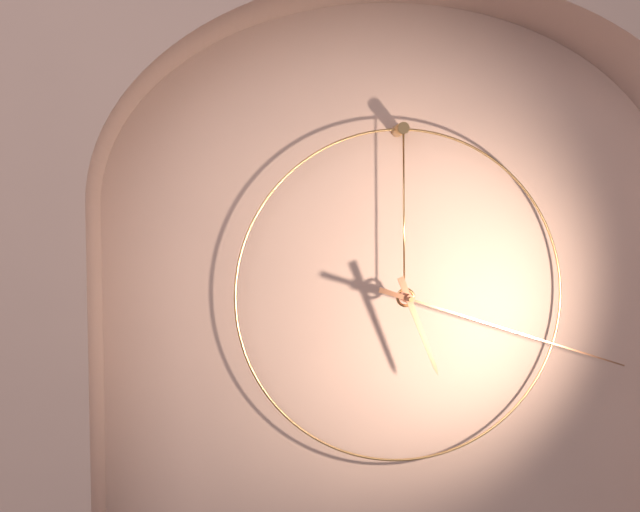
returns 5,18
